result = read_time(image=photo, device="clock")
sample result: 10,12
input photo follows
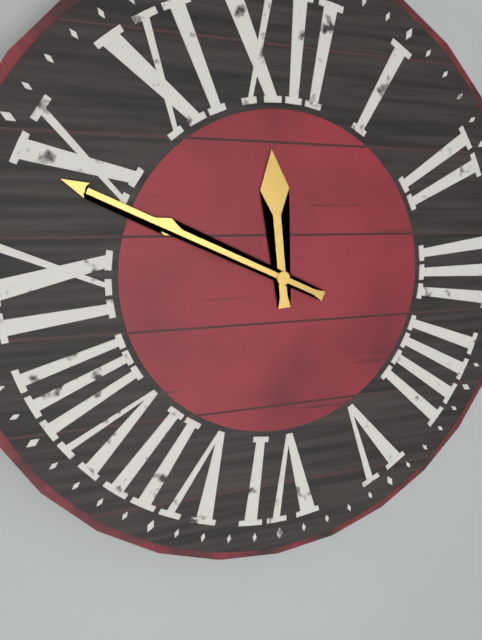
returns 11,49
